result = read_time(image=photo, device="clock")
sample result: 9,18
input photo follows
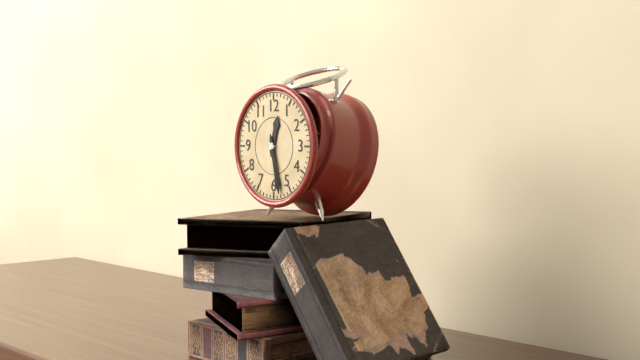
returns 12,28
